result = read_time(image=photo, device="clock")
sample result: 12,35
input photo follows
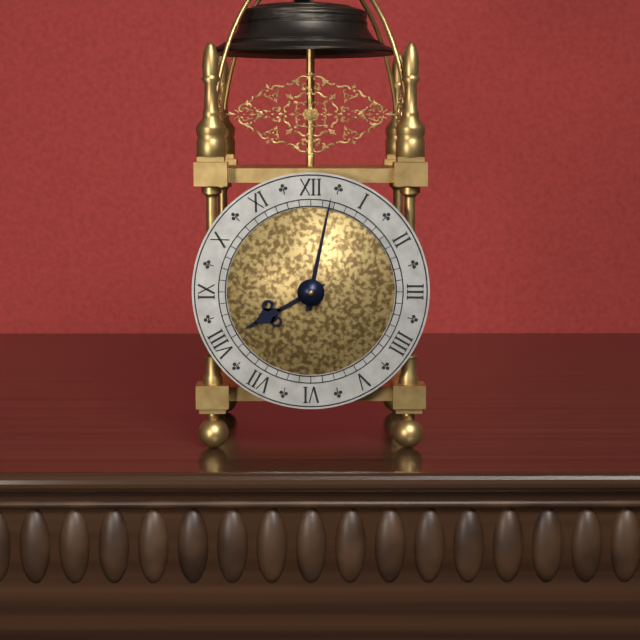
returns 8,02
